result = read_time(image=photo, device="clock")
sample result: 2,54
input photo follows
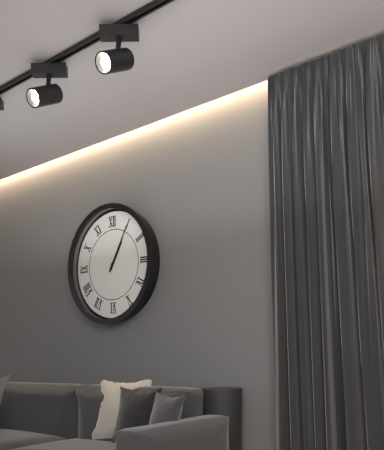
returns 1,05
